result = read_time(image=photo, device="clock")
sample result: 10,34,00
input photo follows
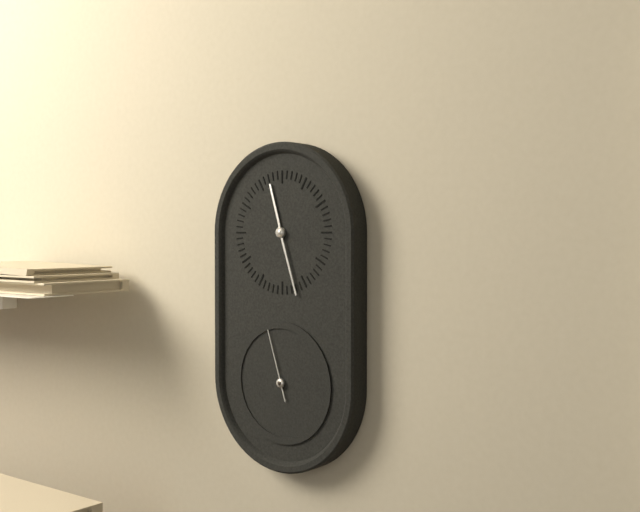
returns 11,27,57
